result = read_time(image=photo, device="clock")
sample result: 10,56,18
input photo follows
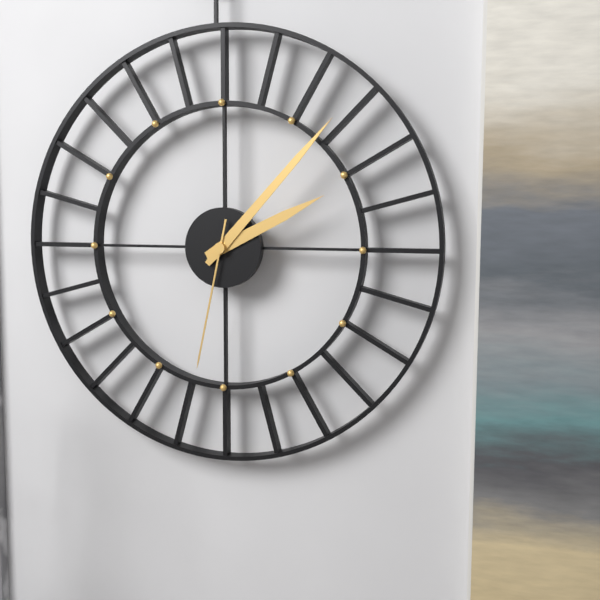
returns 2,07,32
